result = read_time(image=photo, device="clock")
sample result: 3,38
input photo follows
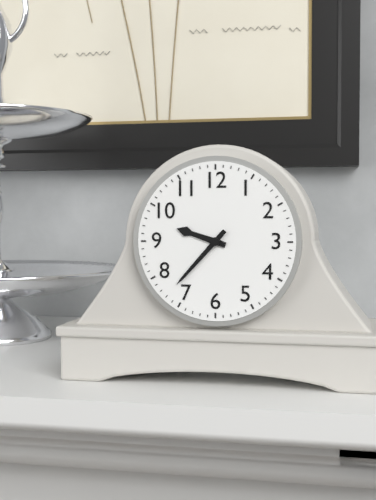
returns 9,37
